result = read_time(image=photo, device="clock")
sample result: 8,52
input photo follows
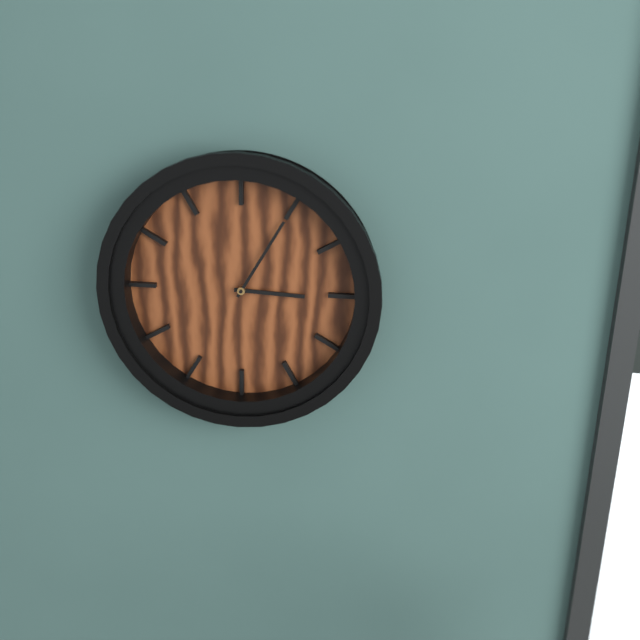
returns 3,05
